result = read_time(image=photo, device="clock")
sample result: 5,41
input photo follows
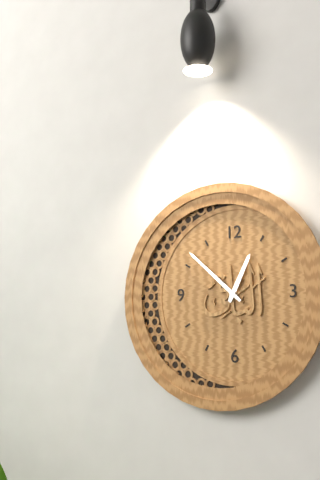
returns 12,52
